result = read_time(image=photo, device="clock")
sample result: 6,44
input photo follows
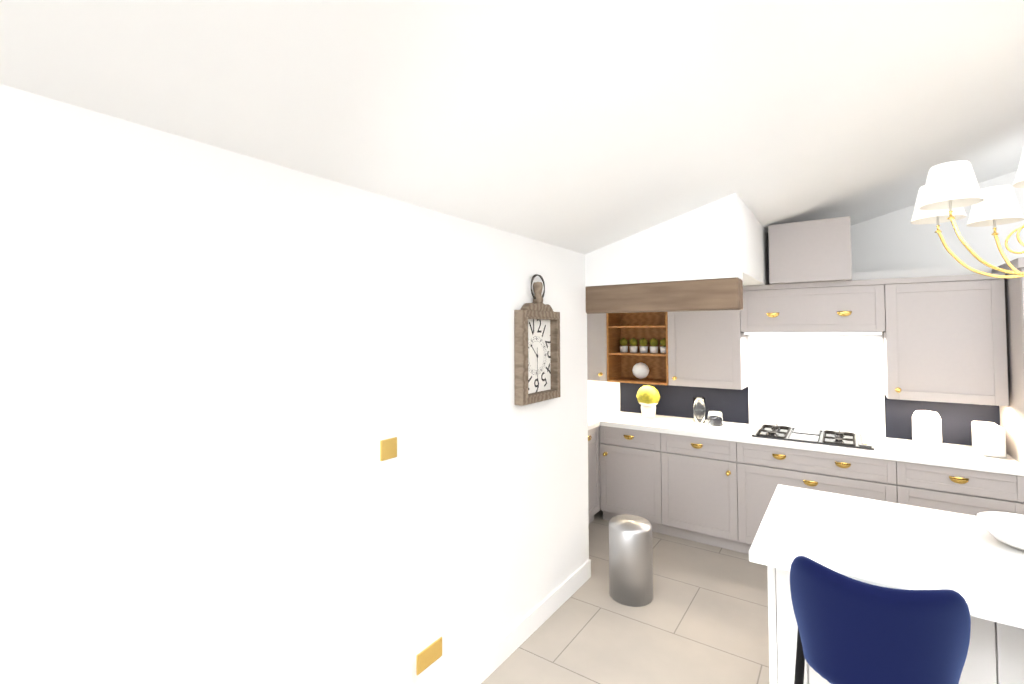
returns 10,30
